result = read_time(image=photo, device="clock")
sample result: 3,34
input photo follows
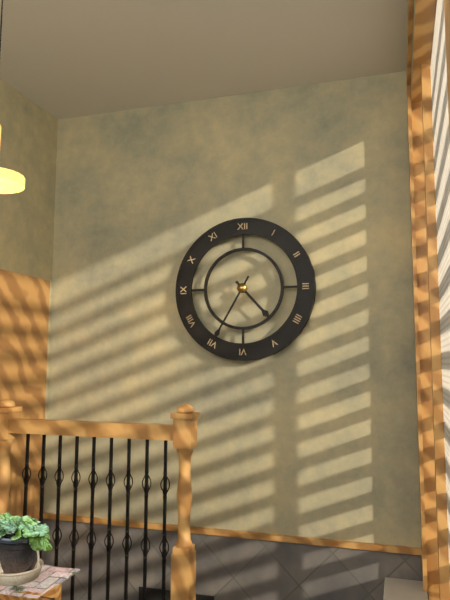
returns 4,35
